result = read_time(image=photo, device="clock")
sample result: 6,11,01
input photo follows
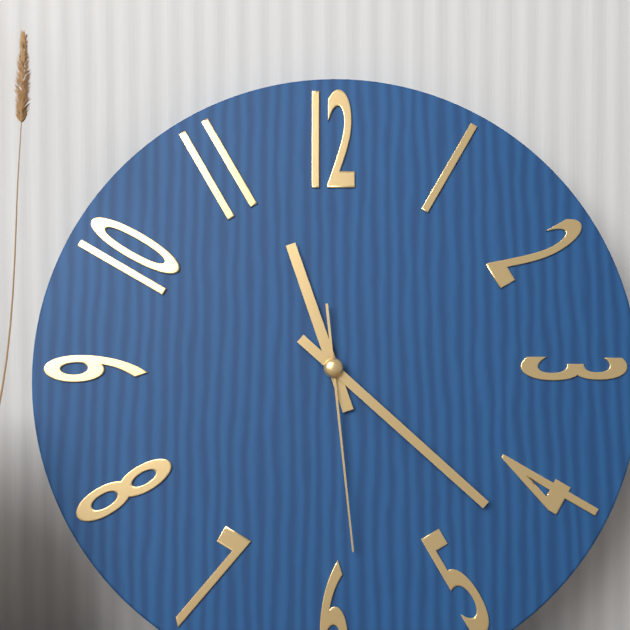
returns 11,22,29
